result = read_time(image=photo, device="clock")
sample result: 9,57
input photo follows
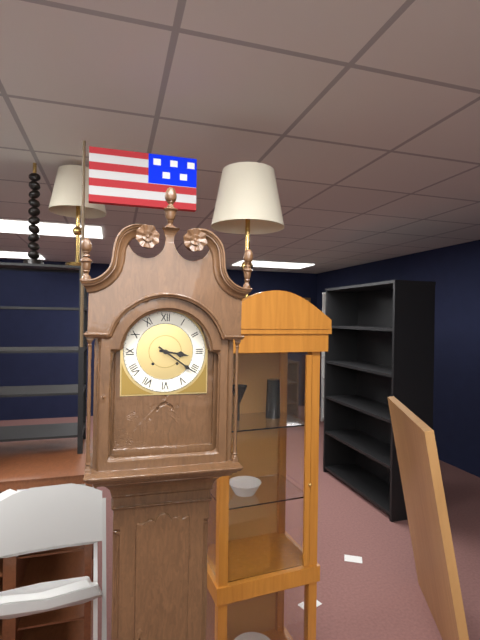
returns 3,21
